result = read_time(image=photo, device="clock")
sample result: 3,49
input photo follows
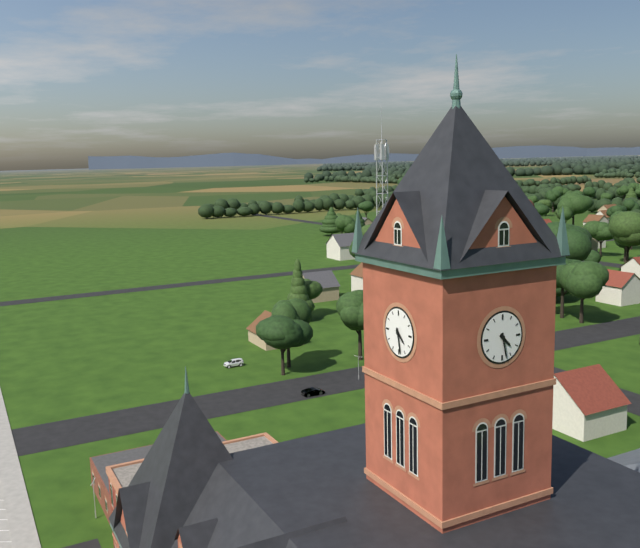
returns 4,28
